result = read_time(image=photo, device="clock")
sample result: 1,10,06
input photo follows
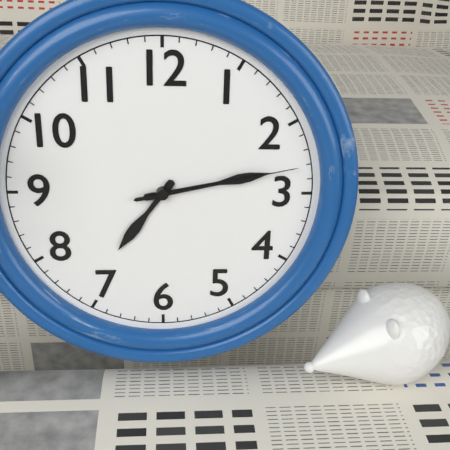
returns 7,13,13
